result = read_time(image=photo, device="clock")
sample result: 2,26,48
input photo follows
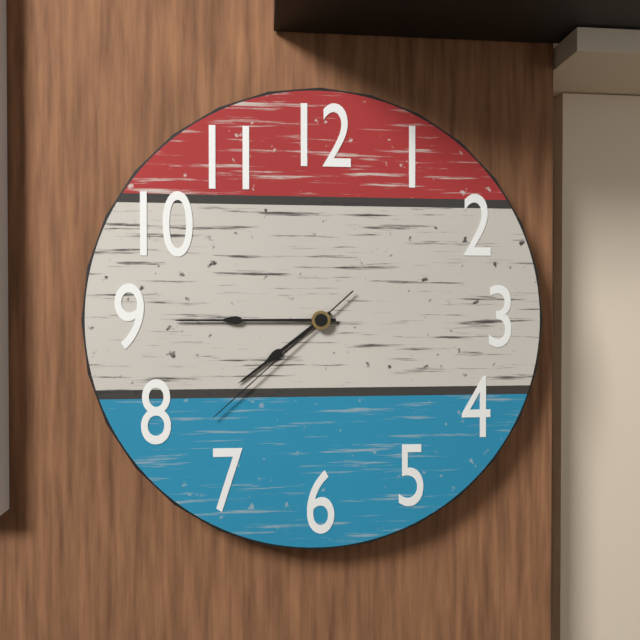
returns 7,45,38
